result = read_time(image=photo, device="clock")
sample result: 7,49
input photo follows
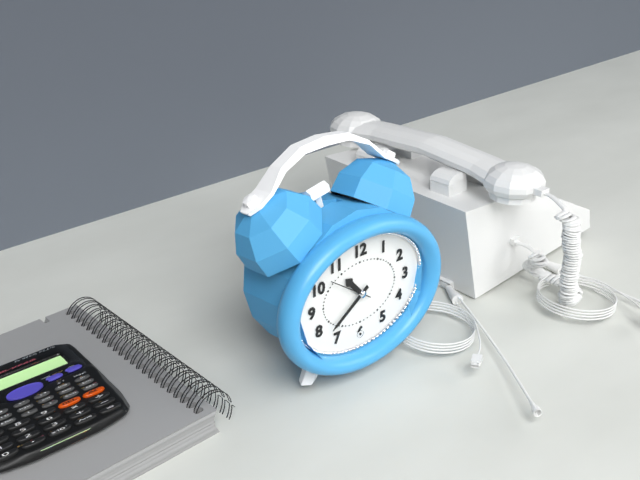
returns 10,39
